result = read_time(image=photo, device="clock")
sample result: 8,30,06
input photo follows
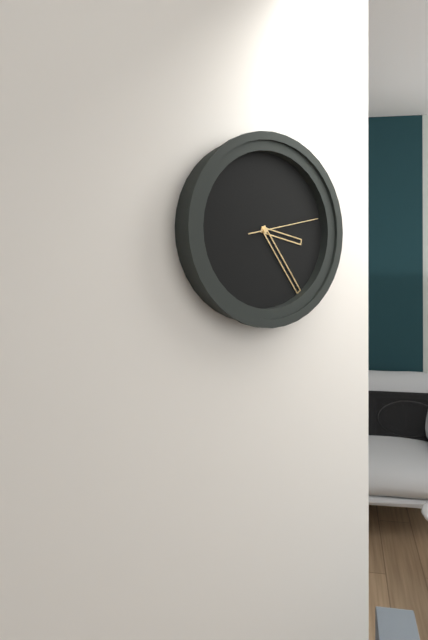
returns 3,24,13
